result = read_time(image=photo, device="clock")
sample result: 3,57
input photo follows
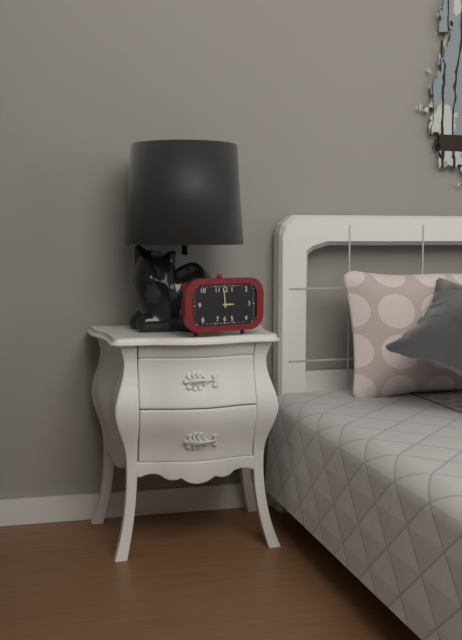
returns 2,59
